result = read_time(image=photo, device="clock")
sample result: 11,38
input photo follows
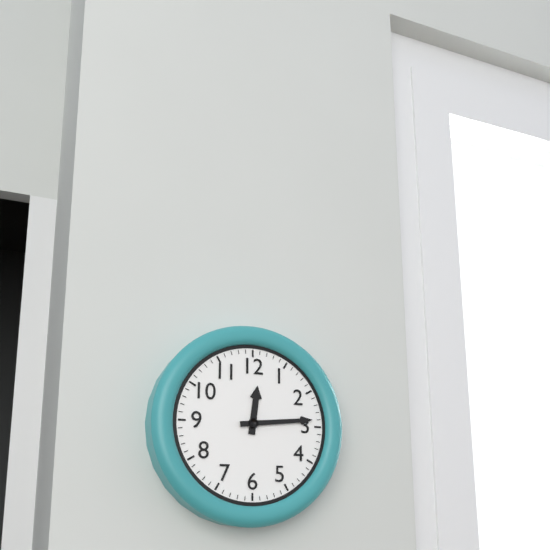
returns 12,14
